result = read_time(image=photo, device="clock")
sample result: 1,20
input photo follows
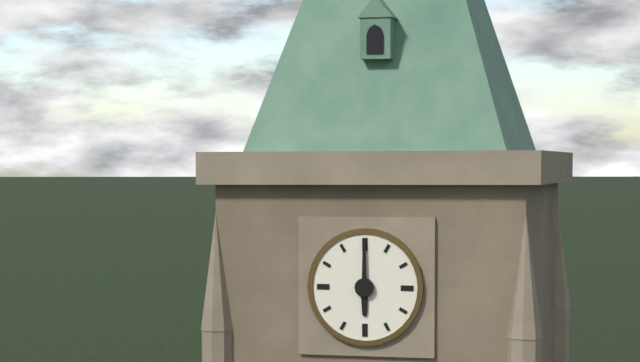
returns 6,00
